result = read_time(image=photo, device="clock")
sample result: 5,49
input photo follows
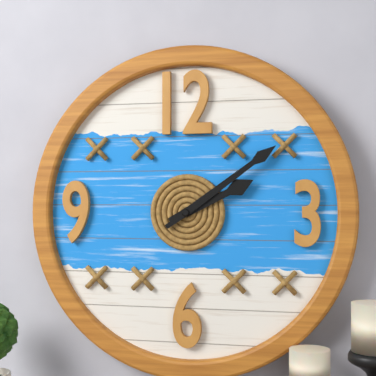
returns 2,09
